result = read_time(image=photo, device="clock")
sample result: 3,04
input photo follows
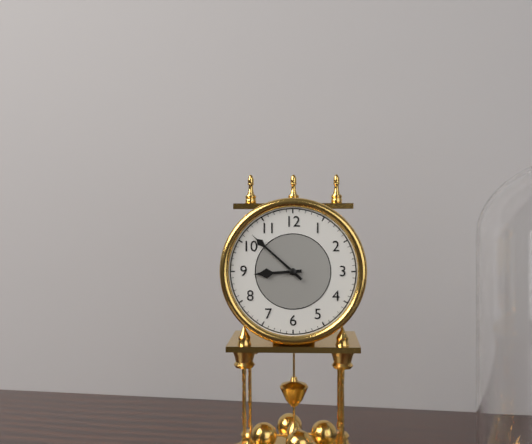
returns 8,52
